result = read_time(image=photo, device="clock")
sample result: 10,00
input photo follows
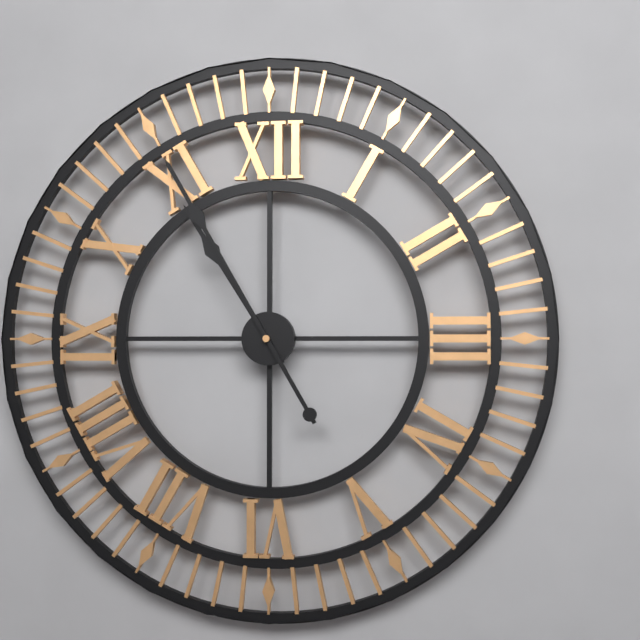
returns 10,55
